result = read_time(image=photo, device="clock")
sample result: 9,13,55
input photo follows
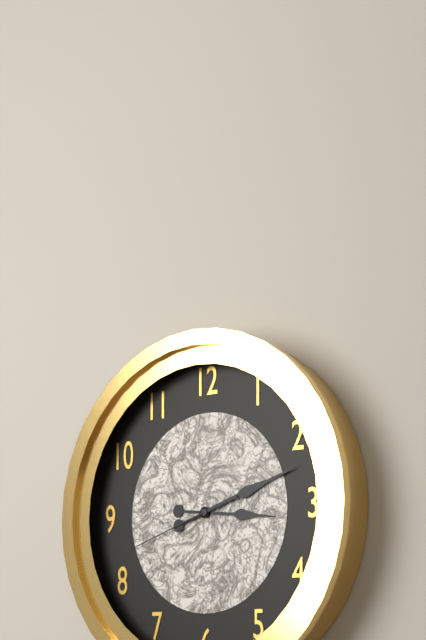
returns 3,12,42
